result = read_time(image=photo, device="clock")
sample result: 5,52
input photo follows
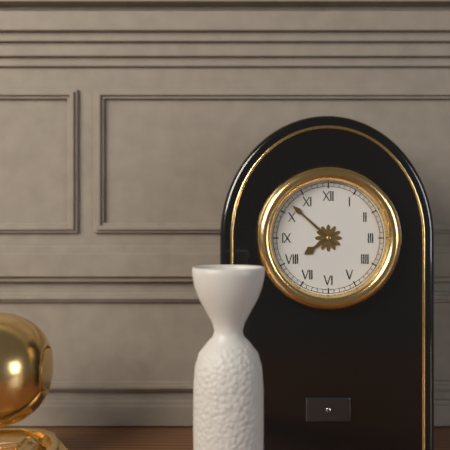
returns 7,52
